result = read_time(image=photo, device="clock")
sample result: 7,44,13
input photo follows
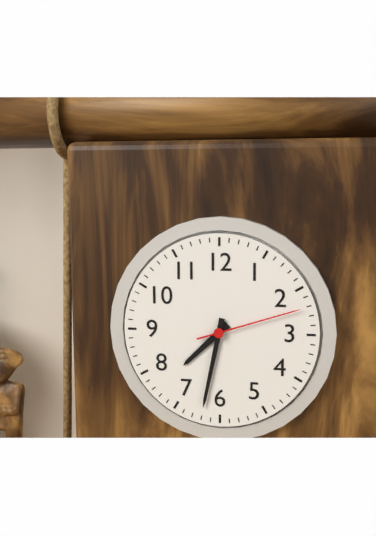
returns 7,32,12
